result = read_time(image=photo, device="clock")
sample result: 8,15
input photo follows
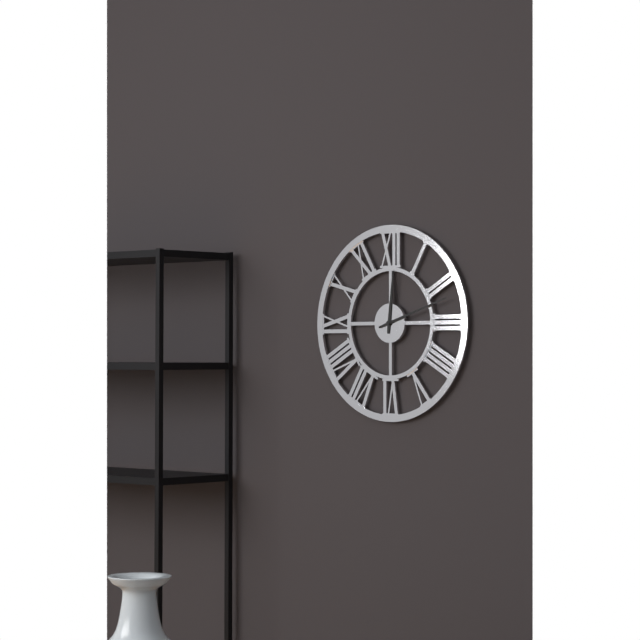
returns 12,12
